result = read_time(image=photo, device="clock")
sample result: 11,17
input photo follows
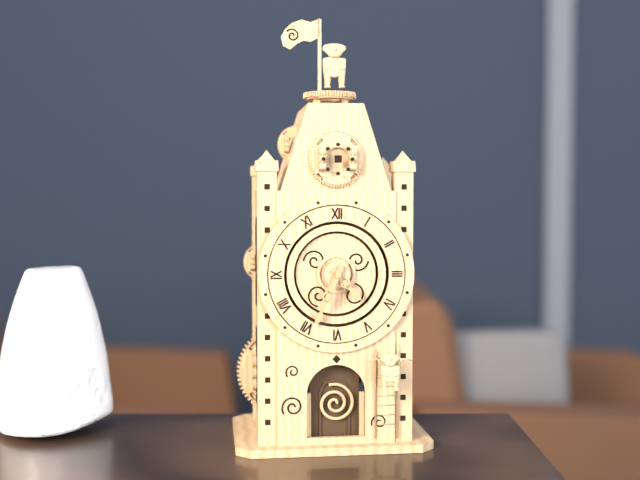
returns 4,34
